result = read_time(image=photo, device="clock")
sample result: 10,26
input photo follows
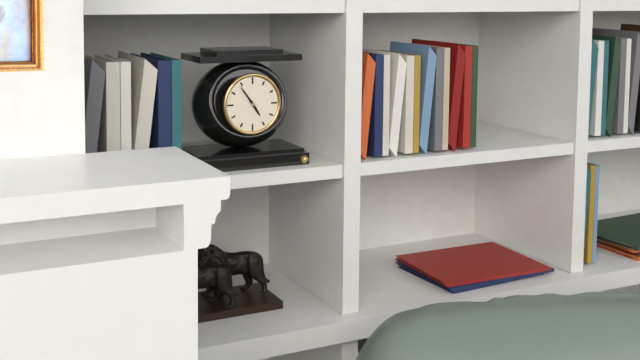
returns 4,54
